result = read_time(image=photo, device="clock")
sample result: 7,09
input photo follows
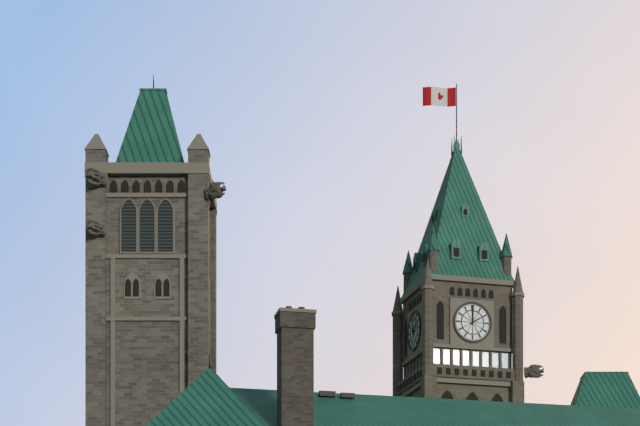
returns 2,00
